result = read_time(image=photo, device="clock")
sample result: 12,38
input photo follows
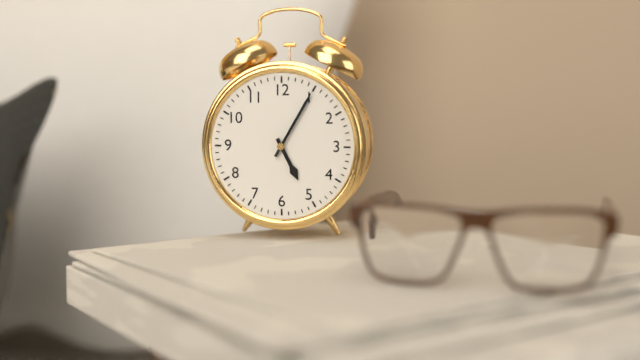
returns 5,05
